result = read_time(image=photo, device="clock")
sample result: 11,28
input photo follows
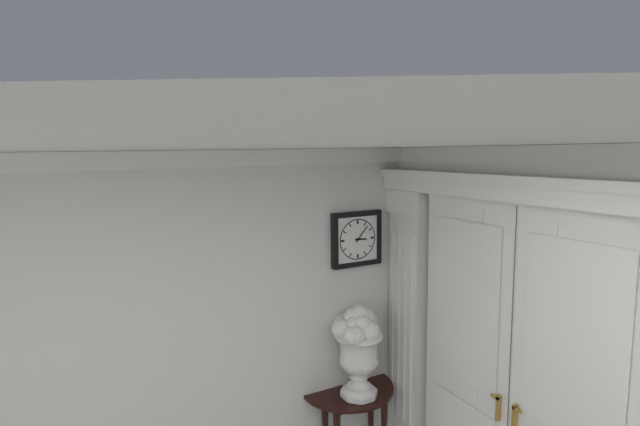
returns 3,07
